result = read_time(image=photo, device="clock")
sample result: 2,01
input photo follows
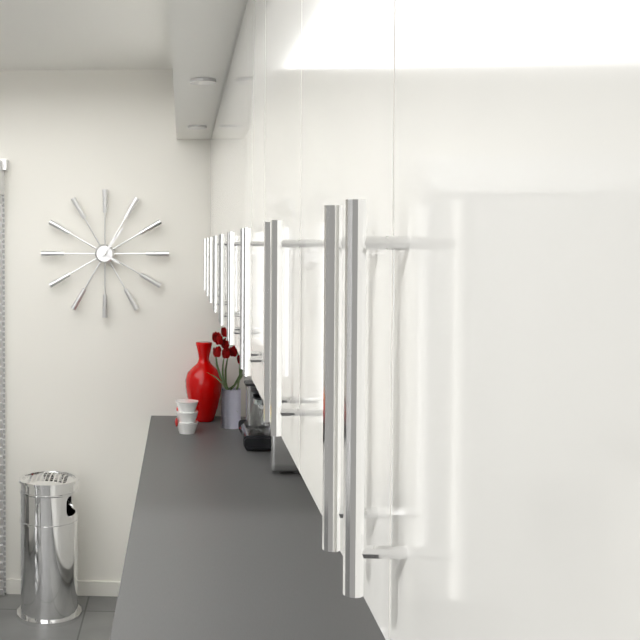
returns 4,06
